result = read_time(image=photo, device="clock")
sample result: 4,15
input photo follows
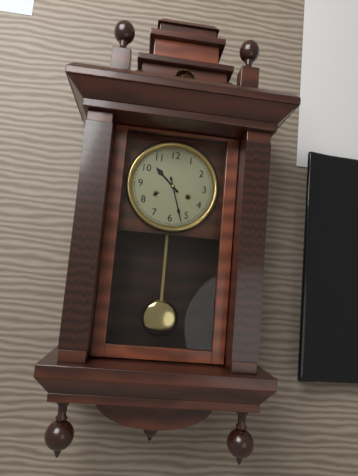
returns 10,27
